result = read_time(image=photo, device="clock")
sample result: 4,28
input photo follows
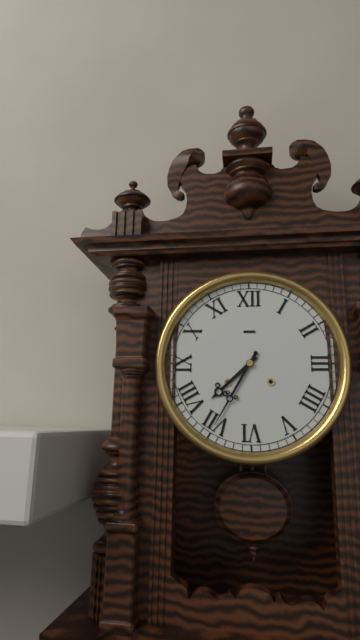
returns 7,35
